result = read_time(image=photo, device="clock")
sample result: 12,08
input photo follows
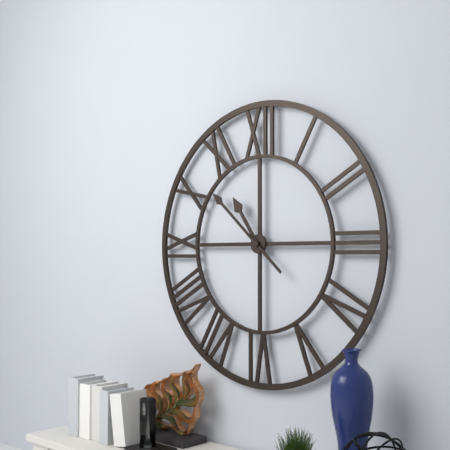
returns 10,52
